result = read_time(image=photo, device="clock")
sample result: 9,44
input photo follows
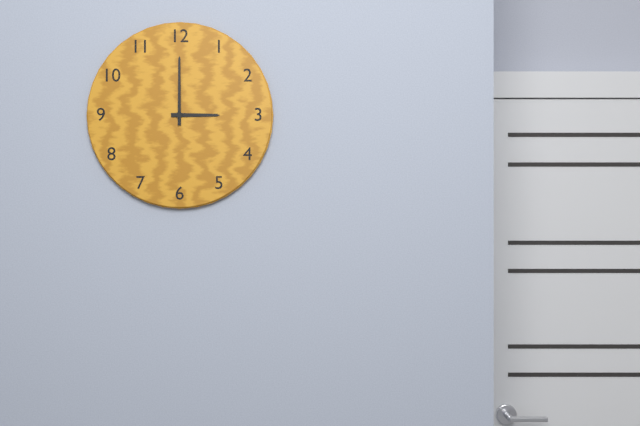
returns 3,00
